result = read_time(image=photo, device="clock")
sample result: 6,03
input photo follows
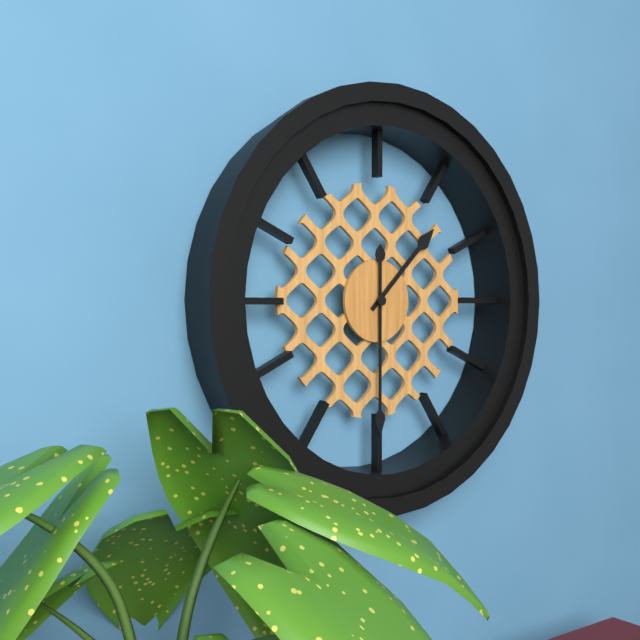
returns 1,30
